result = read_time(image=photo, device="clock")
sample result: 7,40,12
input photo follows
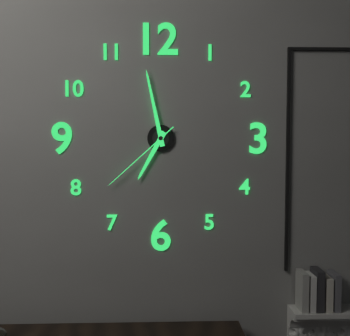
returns 6,58,38
